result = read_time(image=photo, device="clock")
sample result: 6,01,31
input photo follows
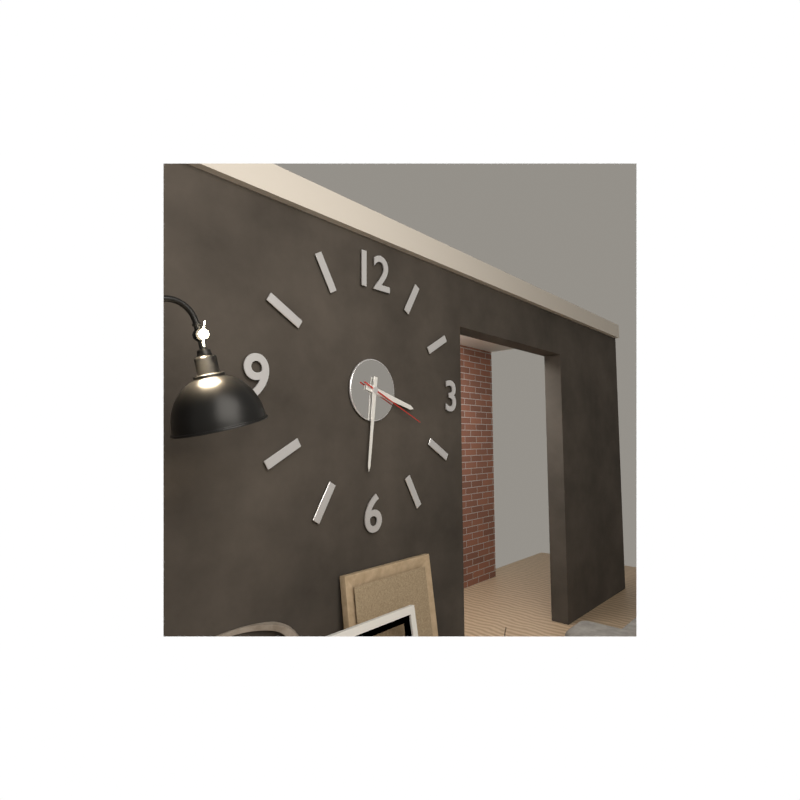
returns 3,31,19
